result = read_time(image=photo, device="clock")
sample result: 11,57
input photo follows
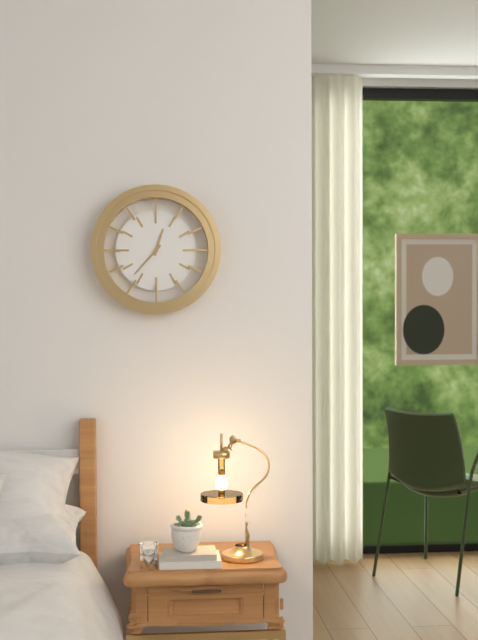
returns 12,37
